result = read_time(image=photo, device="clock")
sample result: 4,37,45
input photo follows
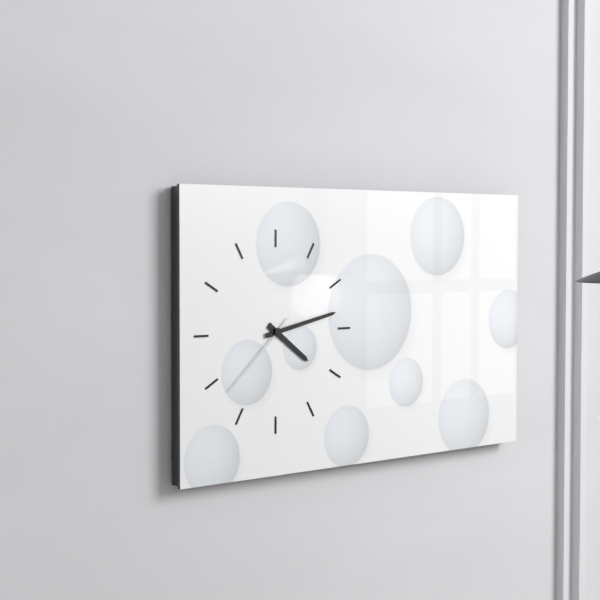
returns 4,13,38
